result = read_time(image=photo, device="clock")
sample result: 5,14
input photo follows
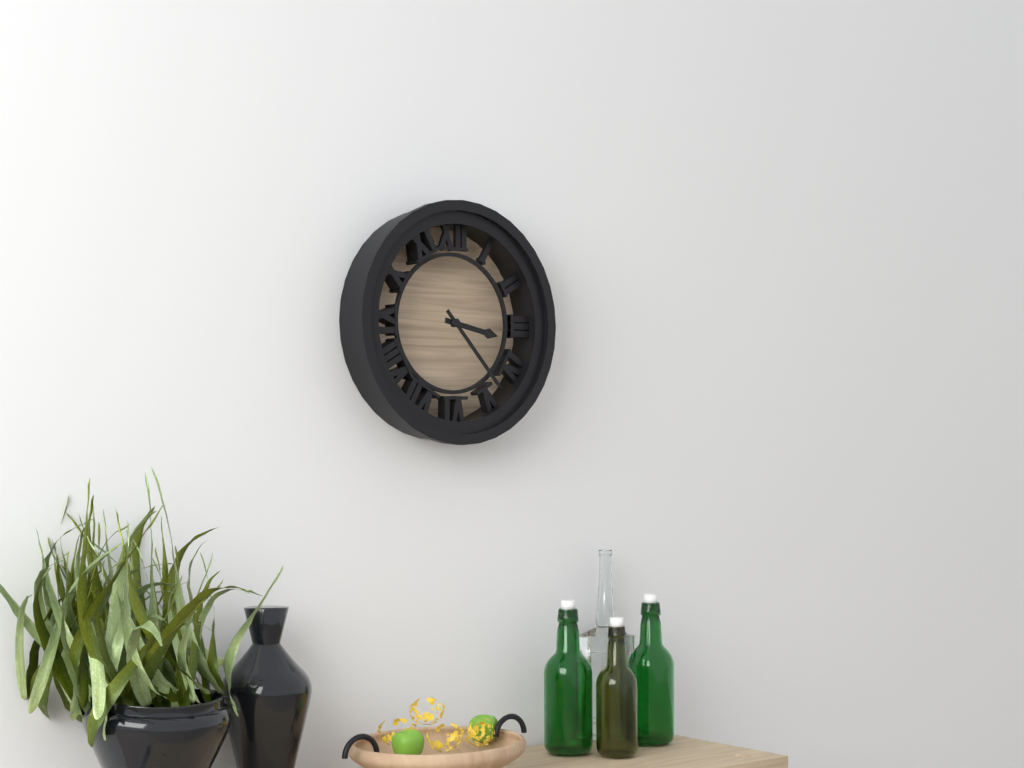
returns 3,23
